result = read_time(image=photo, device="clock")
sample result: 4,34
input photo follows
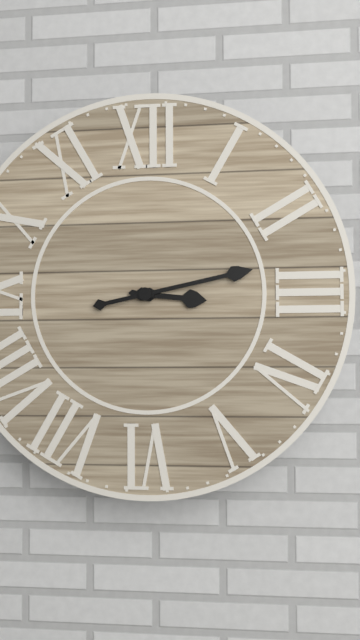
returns 3,13
